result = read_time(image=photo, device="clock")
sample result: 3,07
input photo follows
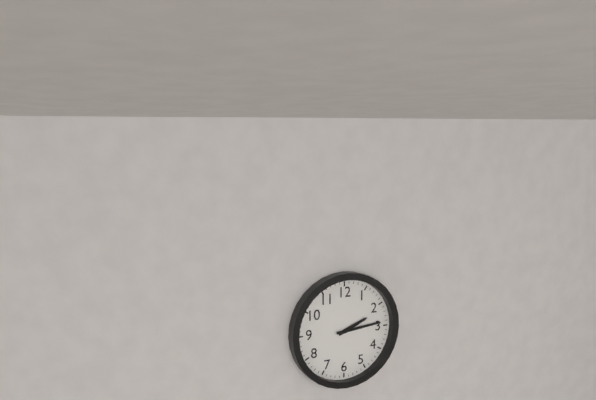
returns 2,14
